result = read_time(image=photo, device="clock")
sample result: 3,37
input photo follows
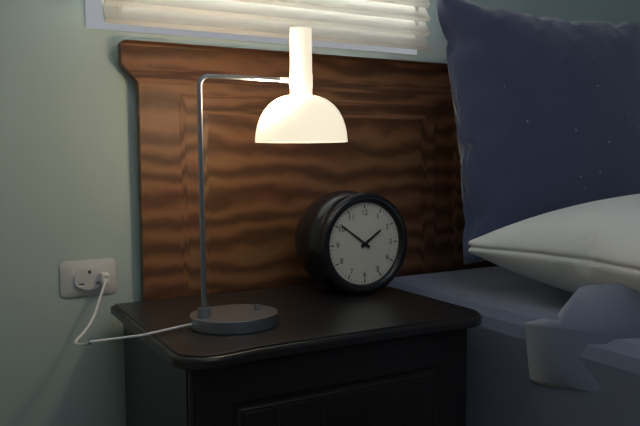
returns 1,51
